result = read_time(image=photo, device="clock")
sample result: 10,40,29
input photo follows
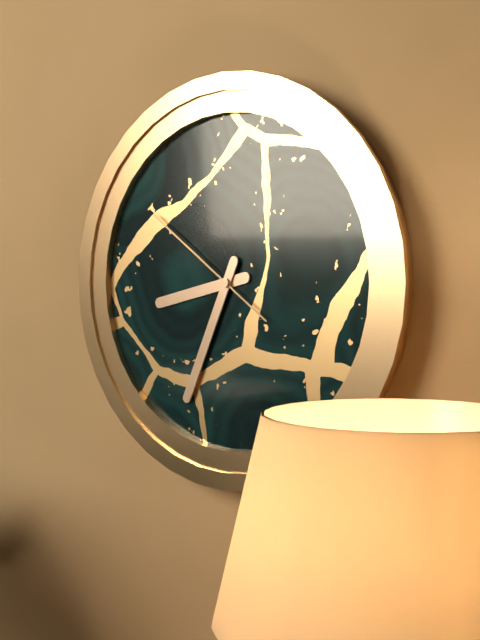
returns 8,34,51
